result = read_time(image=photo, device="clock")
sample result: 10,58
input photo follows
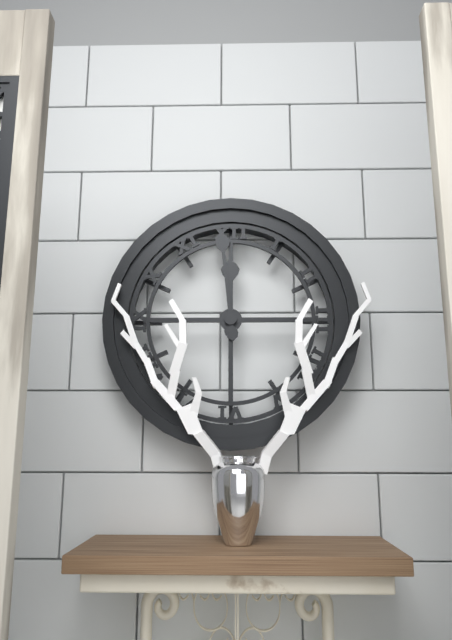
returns 11,59
